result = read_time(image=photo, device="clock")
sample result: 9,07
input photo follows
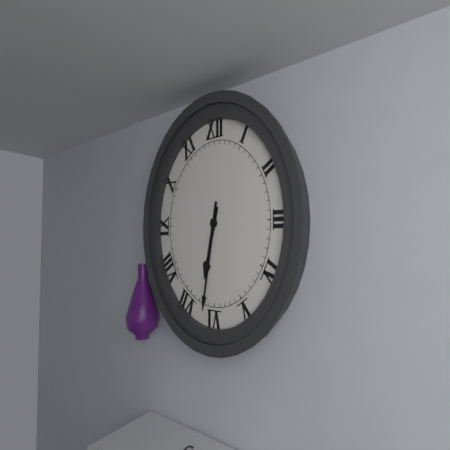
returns 6,32
